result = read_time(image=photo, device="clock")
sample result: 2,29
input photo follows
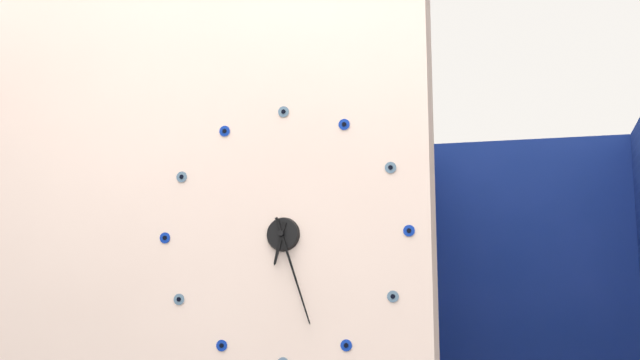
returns 6,27
